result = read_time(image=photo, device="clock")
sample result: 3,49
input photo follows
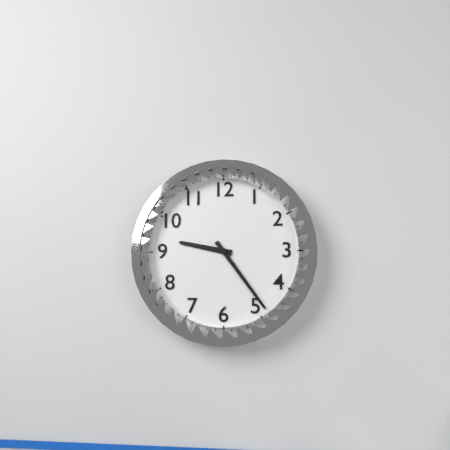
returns 9,24
